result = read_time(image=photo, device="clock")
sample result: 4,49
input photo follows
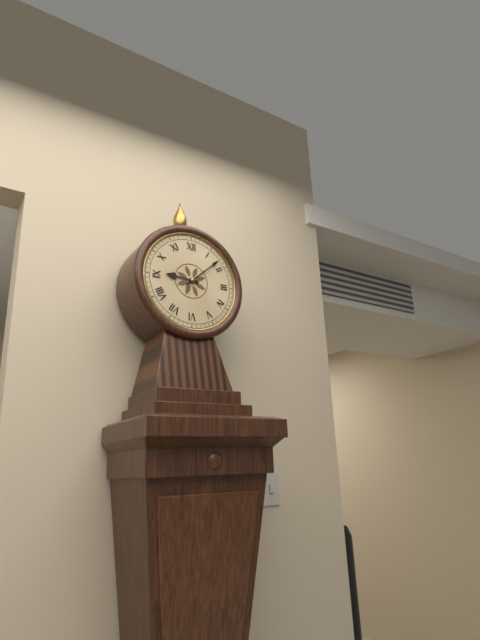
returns 9,08
